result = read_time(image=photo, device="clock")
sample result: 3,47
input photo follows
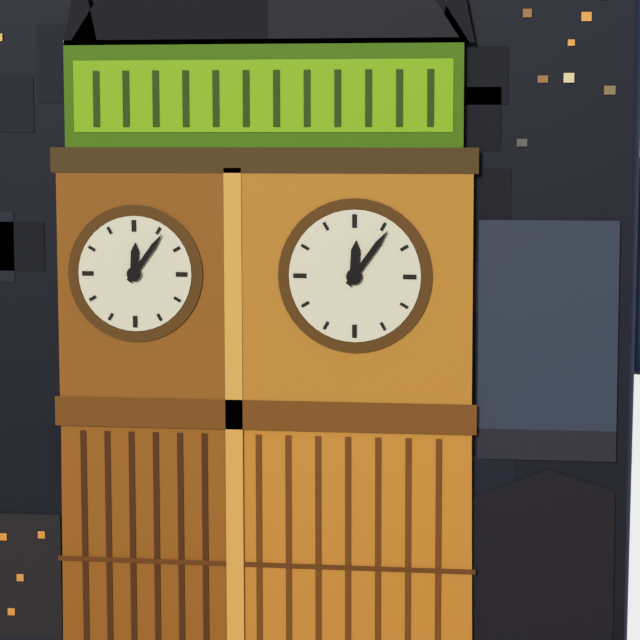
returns 12,06
